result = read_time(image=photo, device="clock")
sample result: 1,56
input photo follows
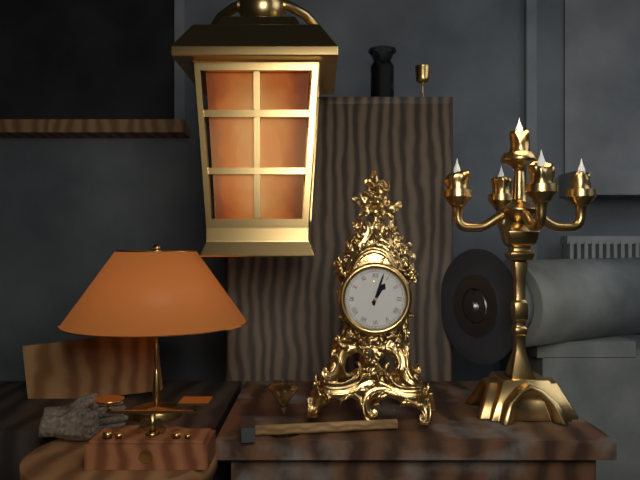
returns 1,03
